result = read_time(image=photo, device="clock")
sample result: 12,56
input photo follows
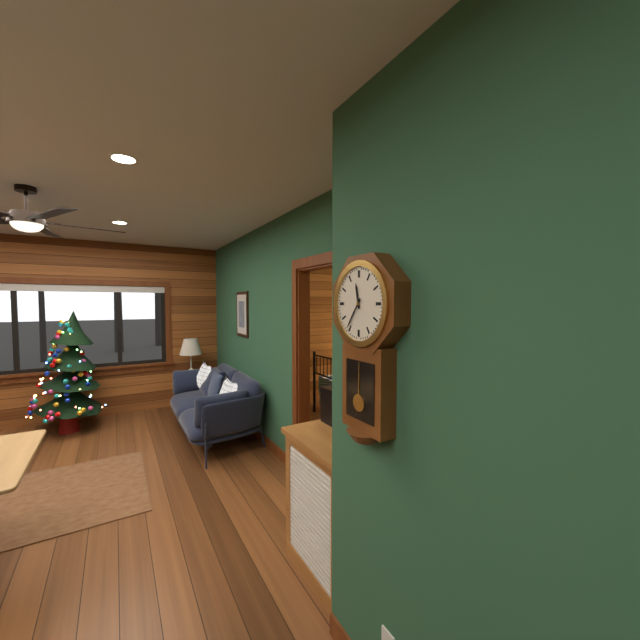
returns 11,36
